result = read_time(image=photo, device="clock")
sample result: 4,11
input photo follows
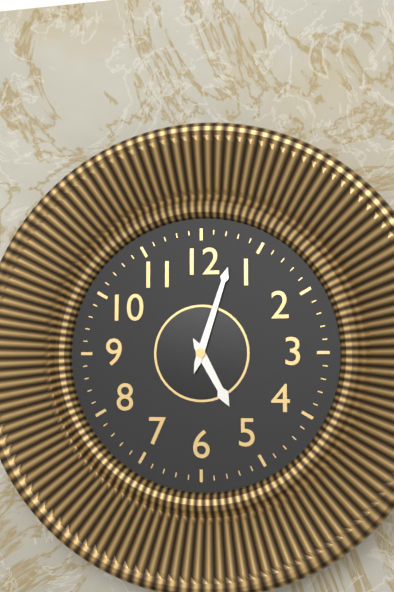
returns 5,03
